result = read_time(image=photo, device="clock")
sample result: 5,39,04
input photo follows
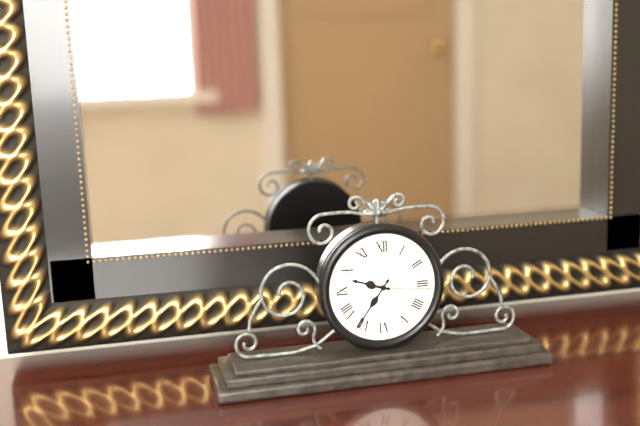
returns 9,36,16
